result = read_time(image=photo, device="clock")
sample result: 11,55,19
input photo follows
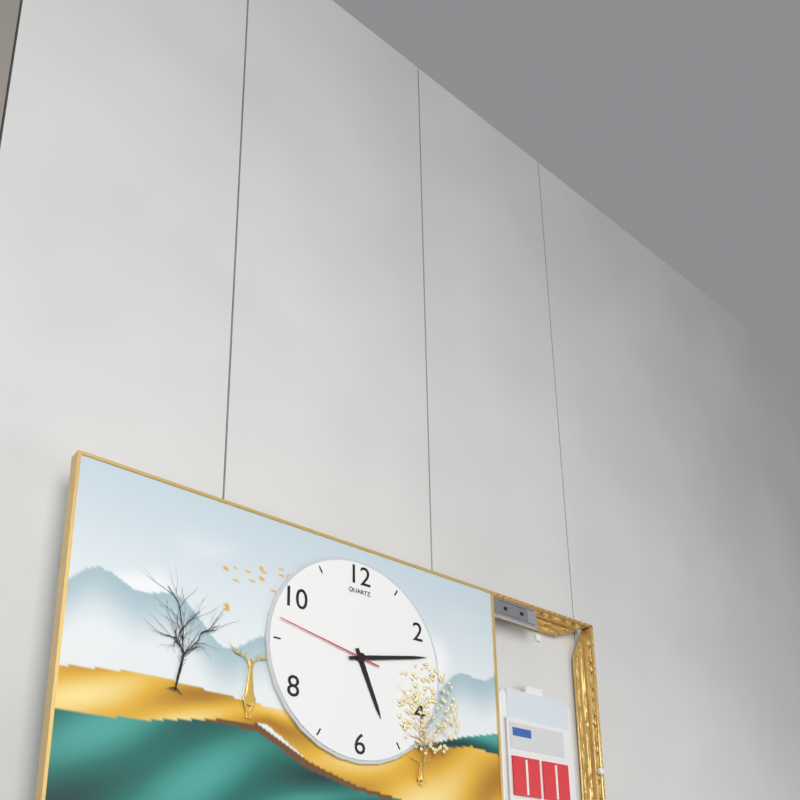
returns 5,13,47
